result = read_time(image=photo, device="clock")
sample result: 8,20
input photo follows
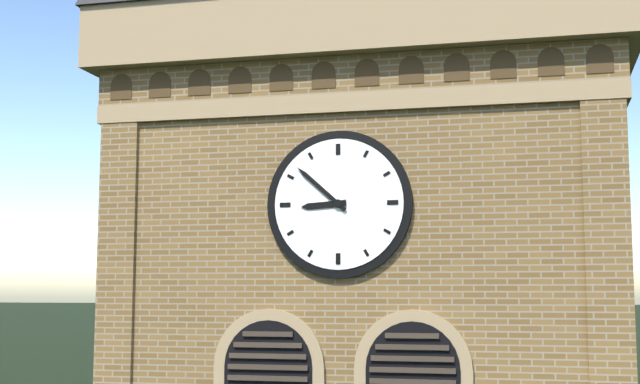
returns 8,52
